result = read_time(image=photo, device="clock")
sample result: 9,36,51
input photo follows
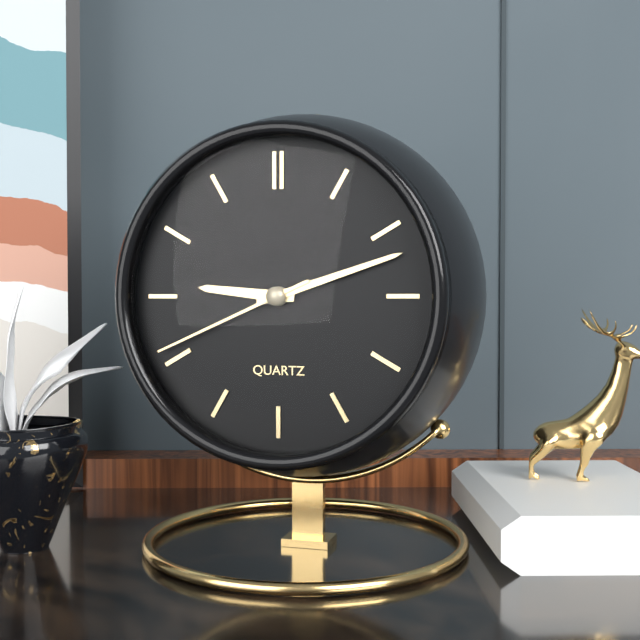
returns 9,12,41
